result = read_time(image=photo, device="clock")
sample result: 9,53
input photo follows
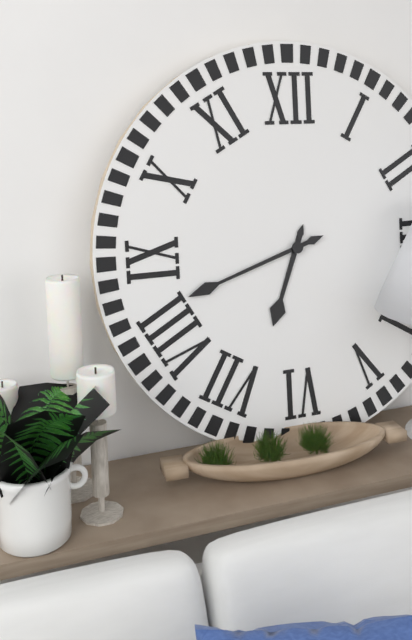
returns 6,42
